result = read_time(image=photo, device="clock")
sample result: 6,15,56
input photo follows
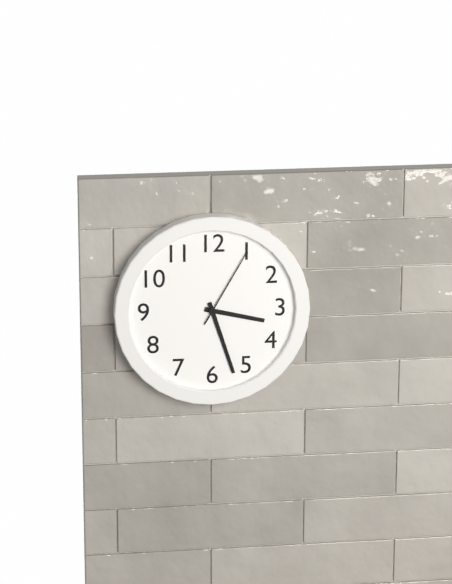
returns 3,27,05
